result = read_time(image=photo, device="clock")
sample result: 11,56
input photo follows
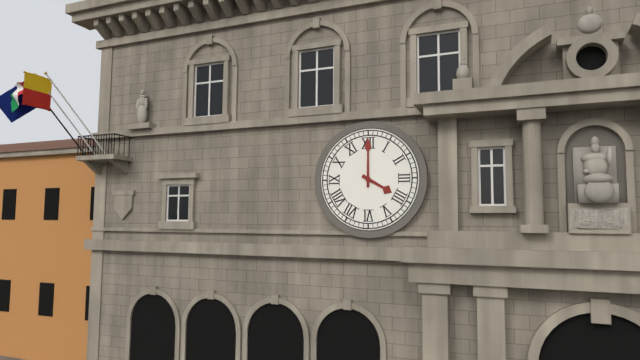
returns 4,00
